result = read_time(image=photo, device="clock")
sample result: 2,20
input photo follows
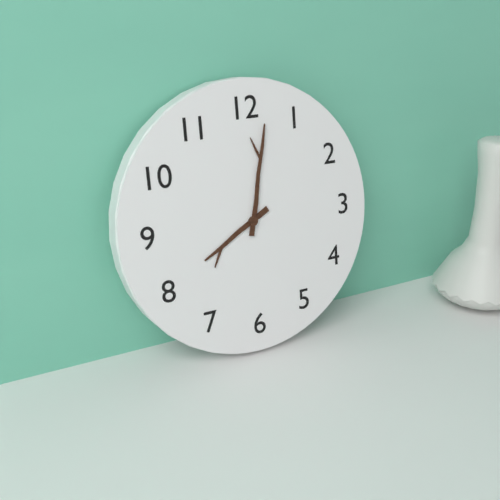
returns 8,02
